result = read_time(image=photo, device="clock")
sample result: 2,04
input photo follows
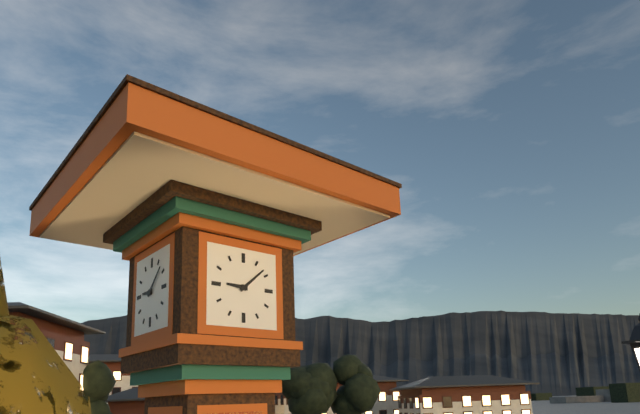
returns 9,08
